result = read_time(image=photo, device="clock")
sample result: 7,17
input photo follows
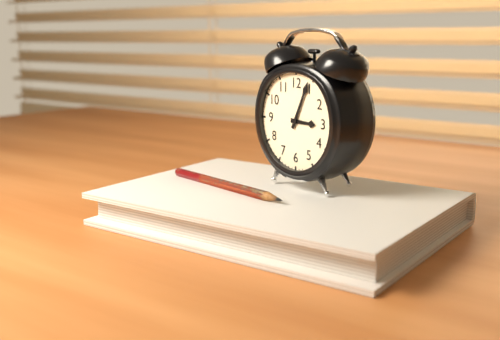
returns 3,04
